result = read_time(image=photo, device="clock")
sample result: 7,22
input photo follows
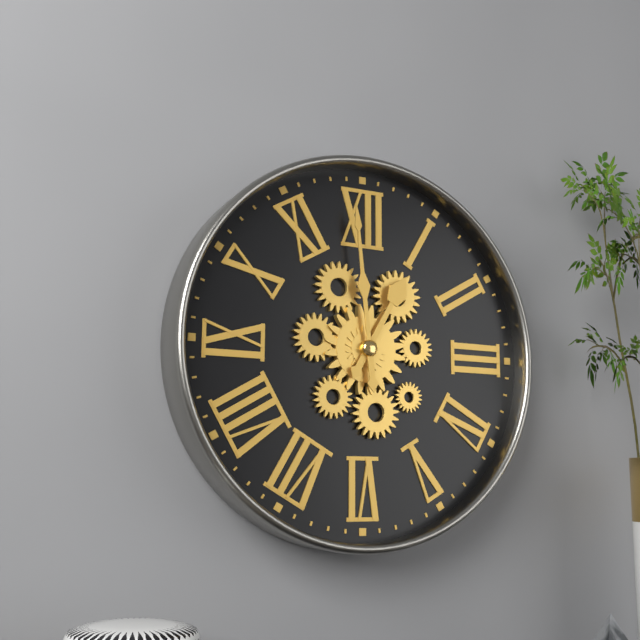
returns 12,59
